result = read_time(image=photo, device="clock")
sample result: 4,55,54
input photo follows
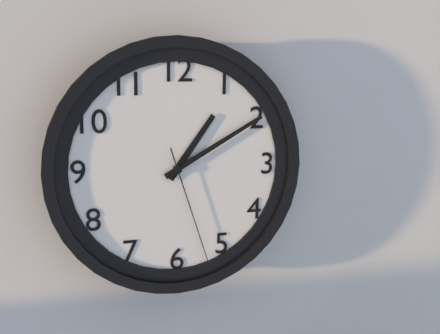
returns 1,10,27
